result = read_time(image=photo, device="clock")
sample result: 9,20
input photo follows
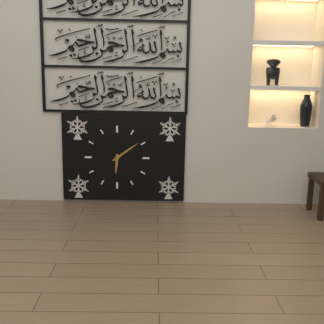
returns 6,09
